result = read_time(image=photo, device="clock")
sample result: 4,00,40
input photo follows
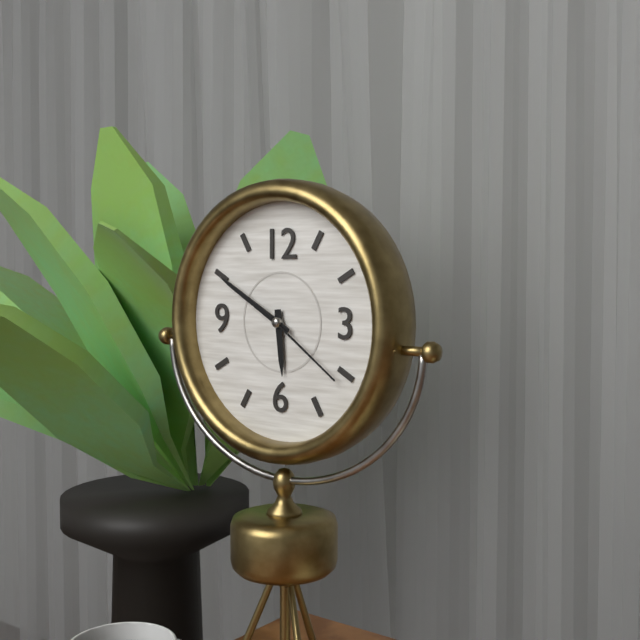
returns 5,50,21
